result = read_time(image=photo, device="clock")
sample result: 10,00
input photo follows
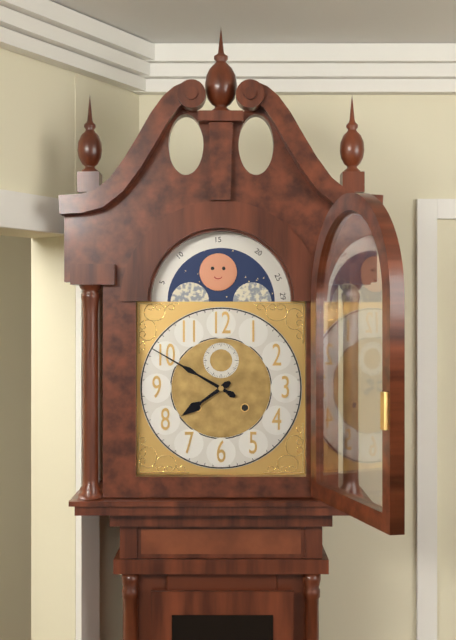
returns 7,50
